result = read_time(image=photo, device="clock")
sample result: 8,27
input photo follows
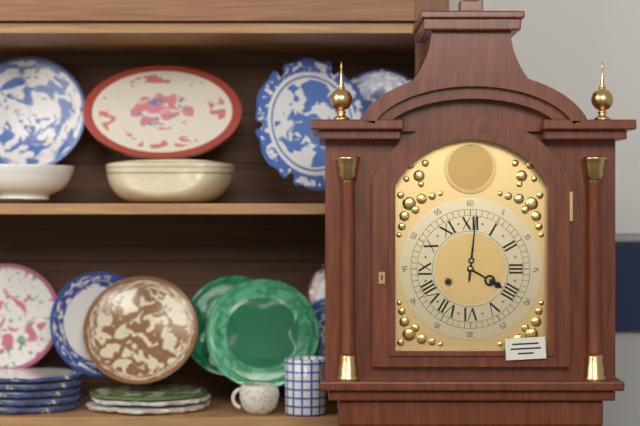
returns 4,01
